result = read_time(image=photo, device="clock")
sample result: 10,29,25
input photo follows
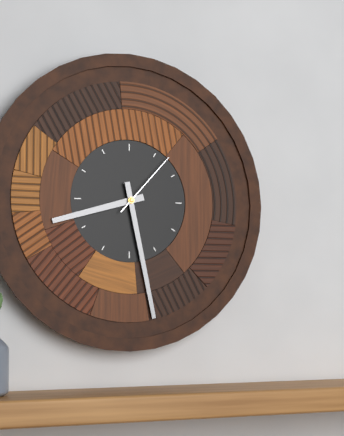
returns 8,28,07
